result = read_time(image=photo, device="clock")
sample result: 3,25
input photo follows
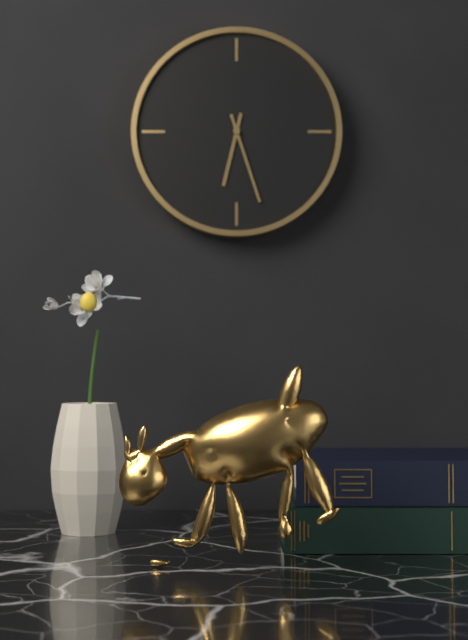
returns 6,27
